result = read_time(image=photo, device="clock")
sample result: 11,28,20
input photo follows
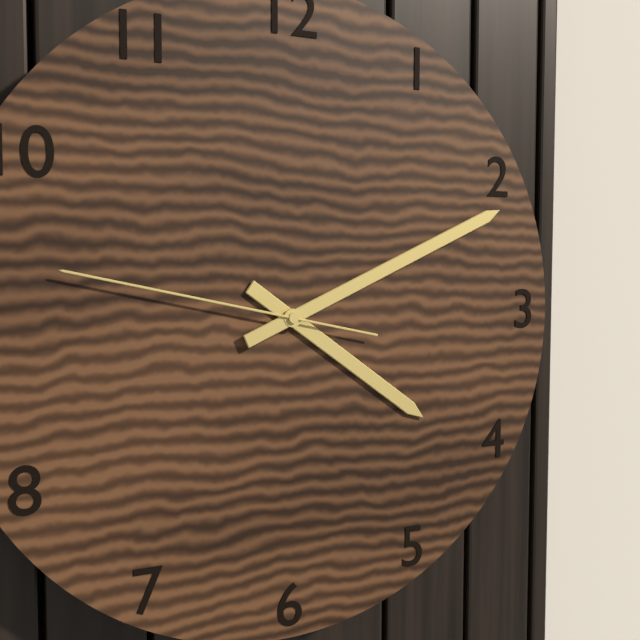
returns 4,11,47
